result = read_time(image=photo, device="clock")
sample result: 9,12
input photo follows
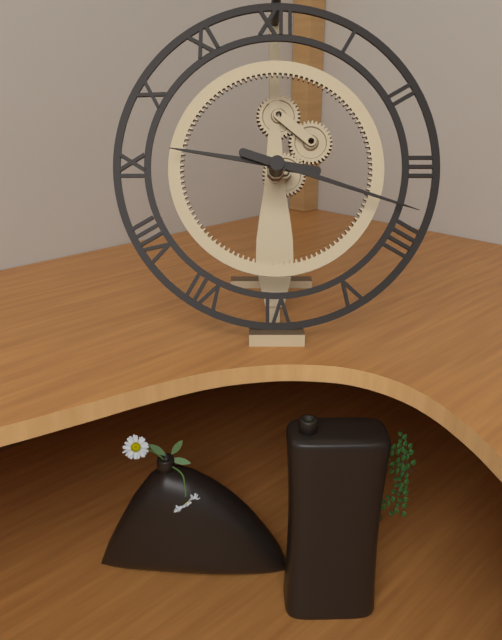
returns 9,18
